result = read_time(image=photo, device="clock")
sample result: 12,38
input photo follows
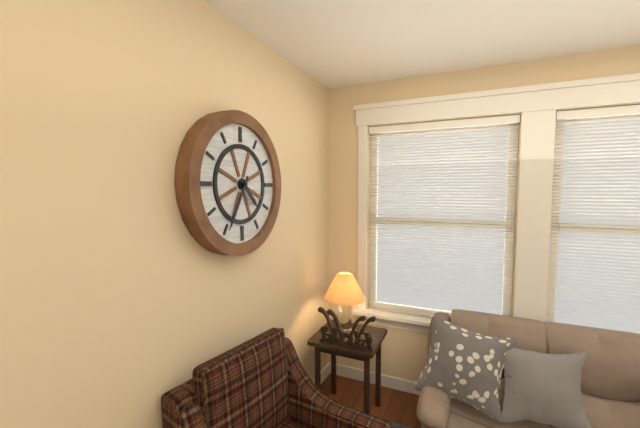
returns 4,35
